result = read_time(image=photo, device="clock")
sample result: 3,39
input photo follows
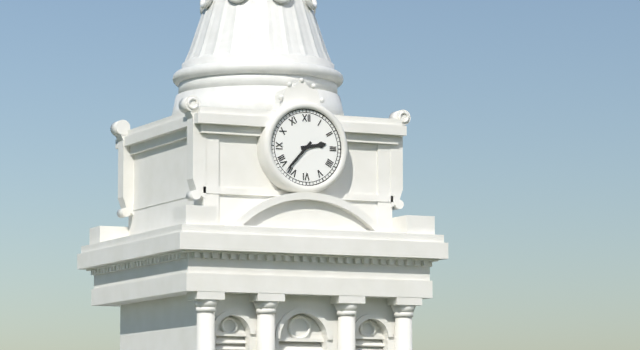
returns 2,37
